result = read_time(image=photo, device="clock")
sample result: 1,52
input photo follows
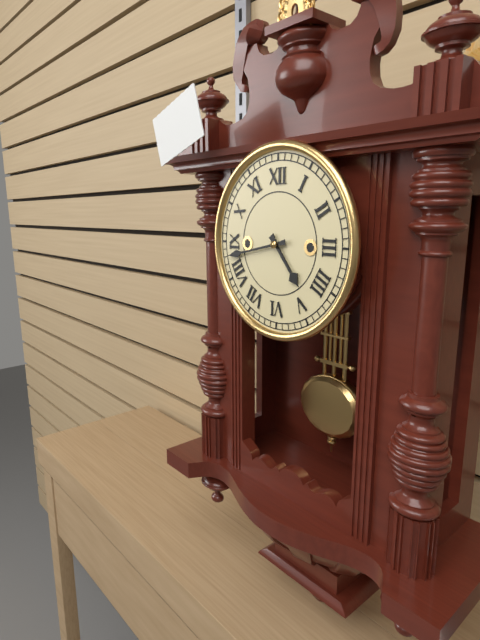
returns 4,43
